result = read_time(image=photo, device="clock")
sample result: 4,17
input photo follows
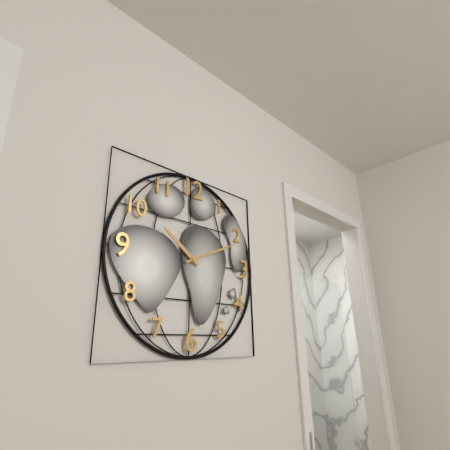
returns 10,11
